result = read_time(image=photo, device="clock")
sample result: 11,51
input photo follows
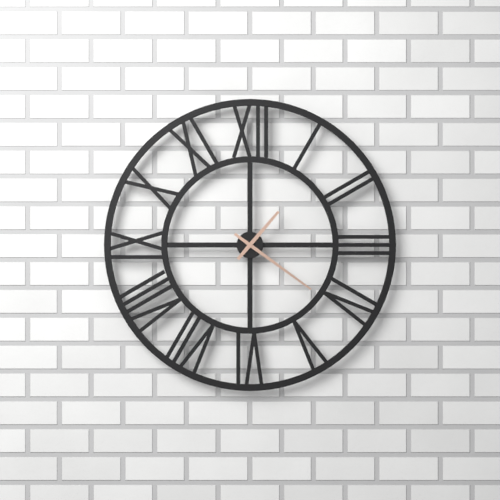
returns 1,21
